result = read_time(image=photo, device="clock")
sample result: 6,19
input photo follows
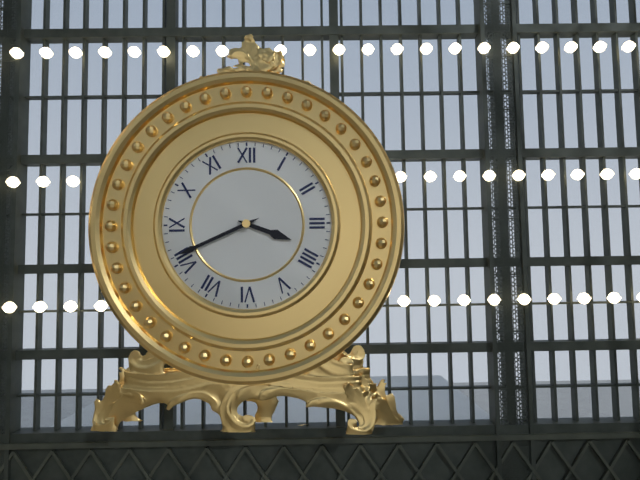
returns 3,41
